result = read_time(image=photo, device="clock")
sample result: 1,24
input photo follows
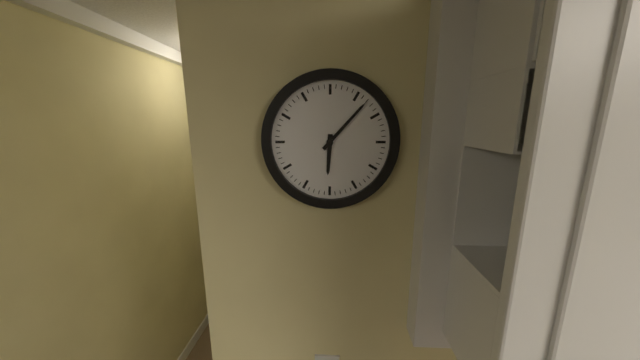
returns 6,07
